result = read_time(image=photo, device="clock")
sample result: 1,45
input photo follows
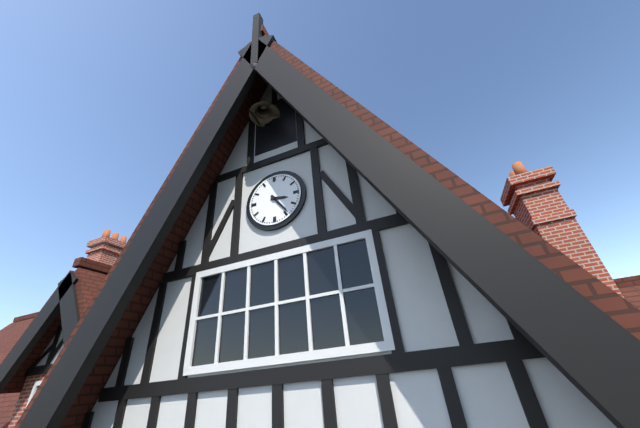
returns 3,24
